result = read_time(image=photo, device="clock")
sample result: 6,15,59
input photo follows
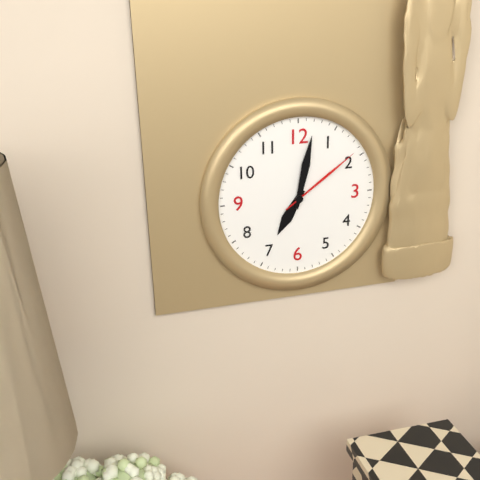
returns 7,02,09
